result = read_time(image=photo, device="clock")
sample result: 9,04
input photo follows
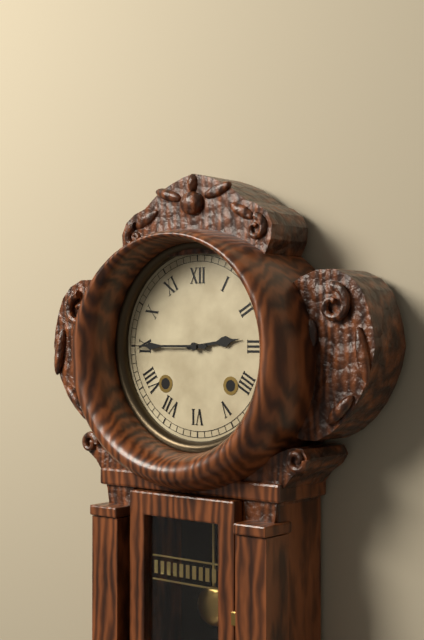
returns 2,45
